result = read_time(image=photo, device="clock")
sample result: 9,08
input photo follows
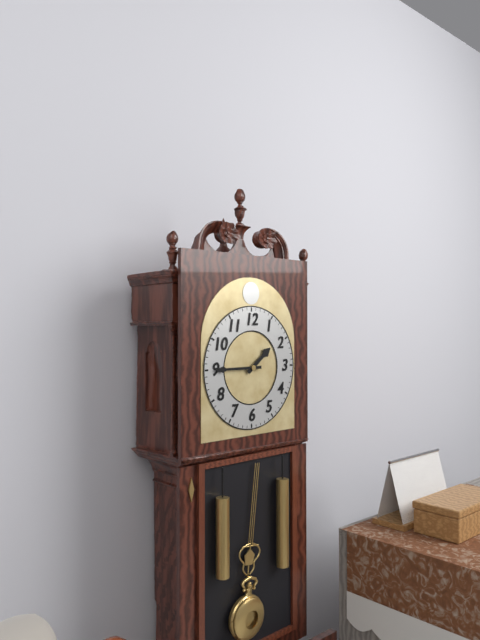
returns 1,45
